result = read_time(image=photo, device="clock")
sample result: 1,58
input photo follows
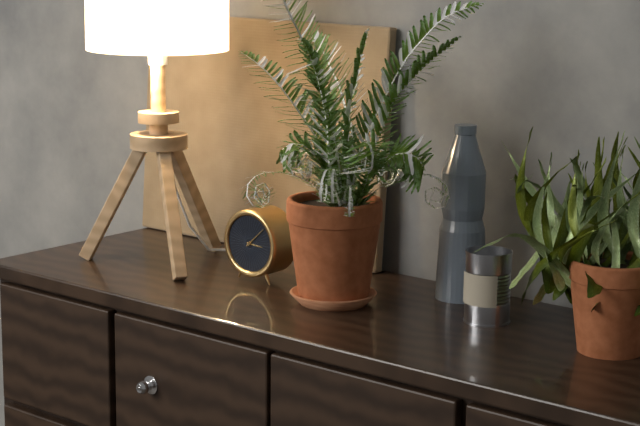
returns 3,08
